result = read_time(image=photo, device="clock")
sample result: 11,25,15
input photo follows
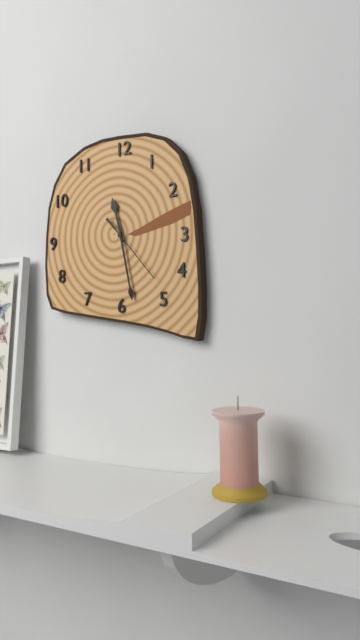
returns 11,28,23
